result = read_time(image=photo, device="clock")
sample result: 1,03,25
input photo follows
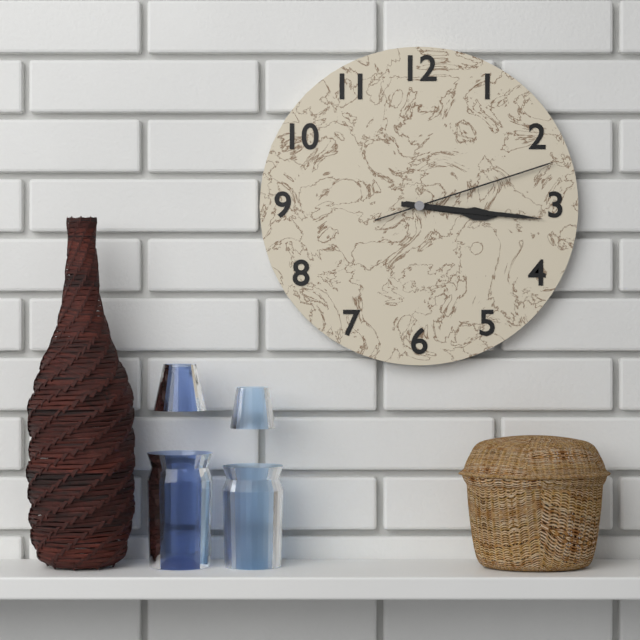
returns 3,16,12
